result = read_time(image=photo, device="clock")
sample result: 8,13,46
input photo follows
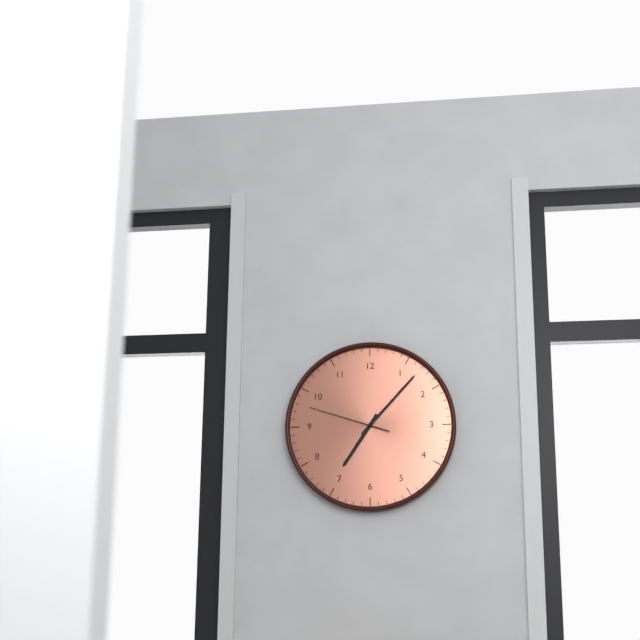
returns 7,07,48
